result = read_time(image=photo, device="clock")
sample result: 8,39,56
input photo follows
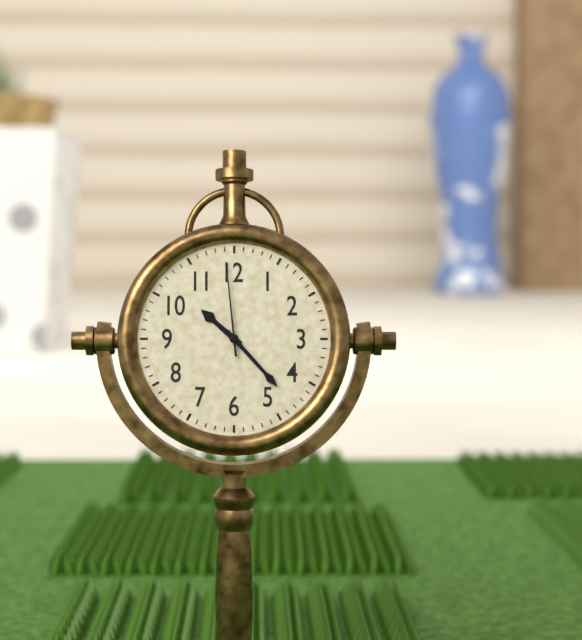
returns 10,23,59
